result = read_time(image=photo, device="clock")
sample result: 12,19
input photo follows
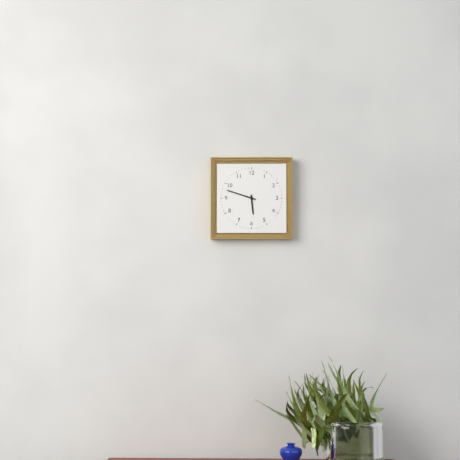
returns 5,48
